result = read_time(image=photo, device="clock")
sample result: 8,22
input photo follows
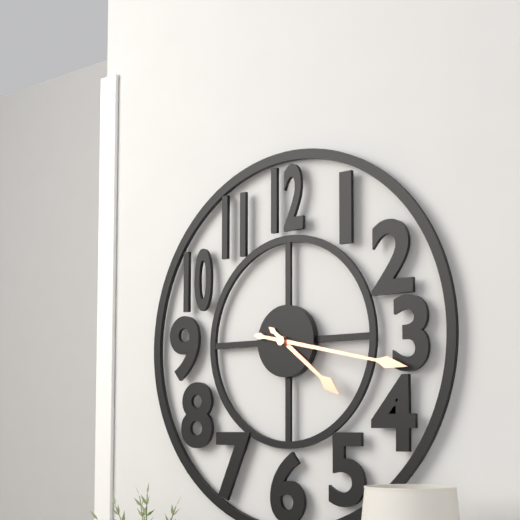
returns 4,17
